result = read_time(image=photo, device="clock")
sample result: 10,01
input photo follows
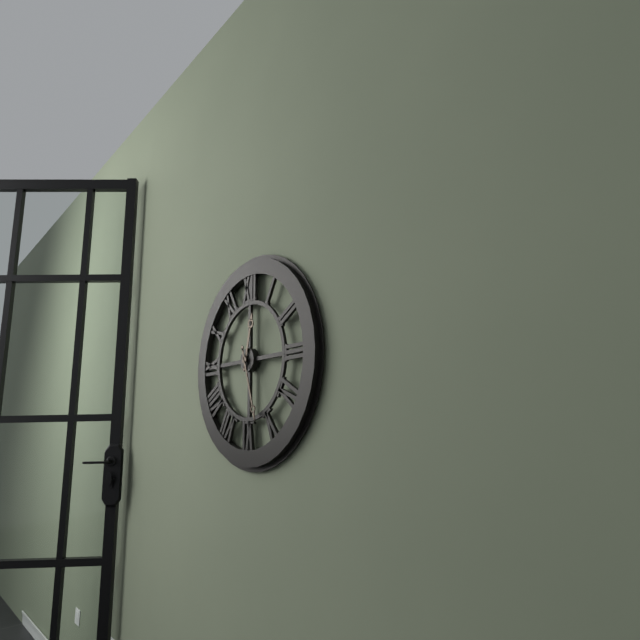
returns 12,27
